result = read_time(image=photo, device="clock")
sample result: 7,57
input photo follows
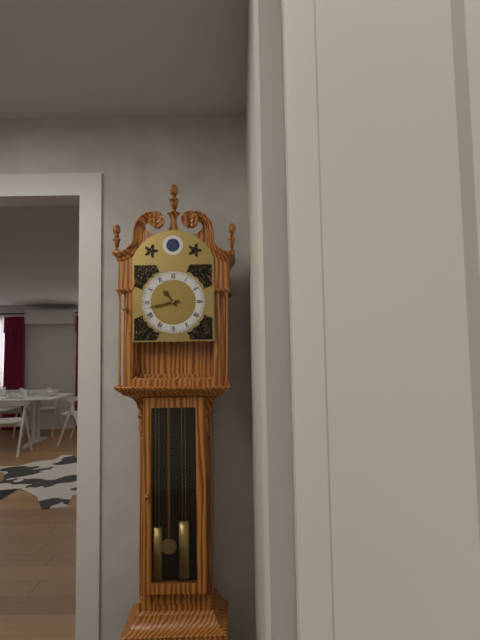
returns 10,43
